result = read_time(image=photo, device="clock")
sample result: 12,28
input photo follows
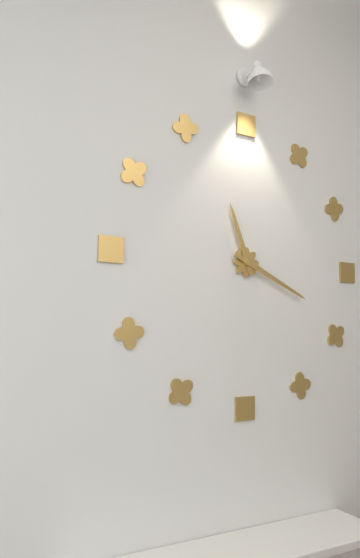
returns 11,19
